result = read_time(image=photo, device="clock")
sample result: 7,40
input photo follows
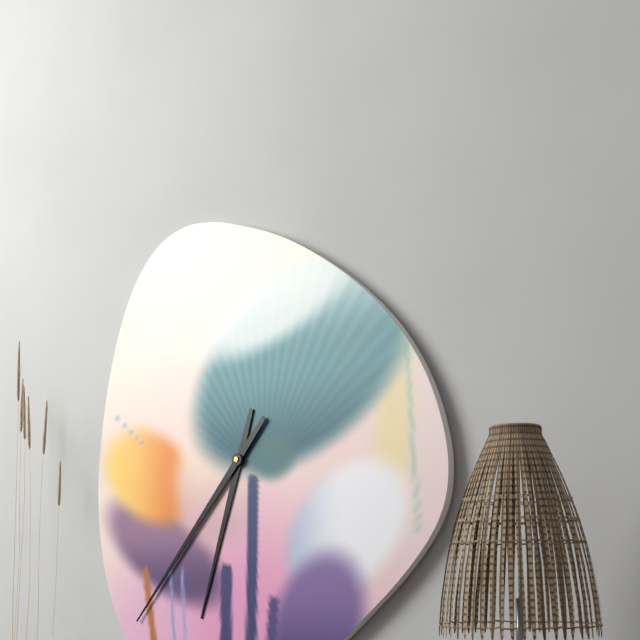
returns 6,37
